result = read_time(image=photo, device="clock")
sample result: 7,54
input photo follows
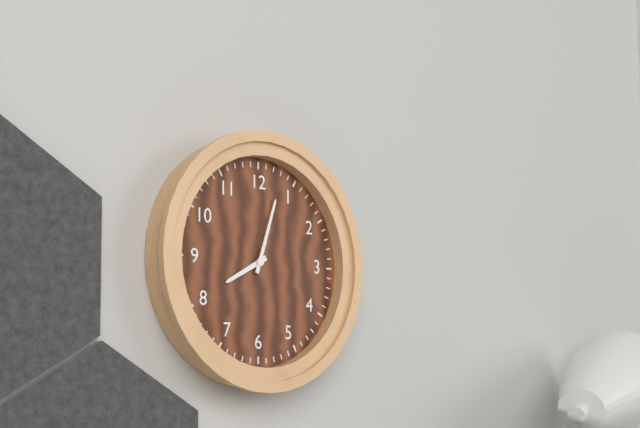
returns 8,03
